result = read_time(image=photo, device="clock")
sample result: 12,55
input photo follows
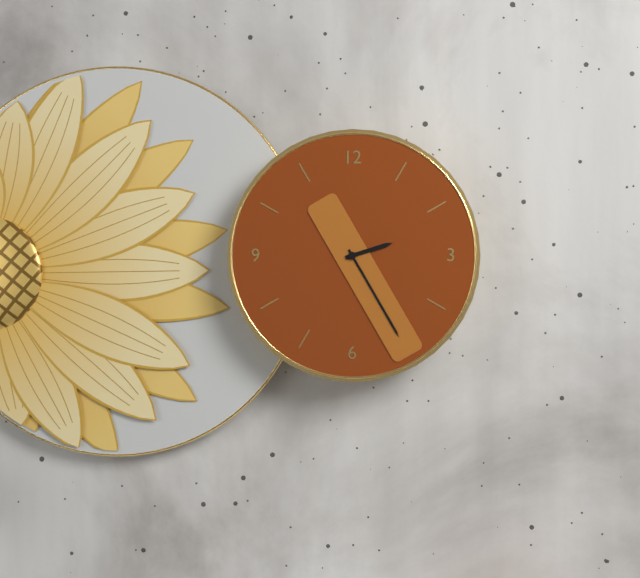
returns 2,25
